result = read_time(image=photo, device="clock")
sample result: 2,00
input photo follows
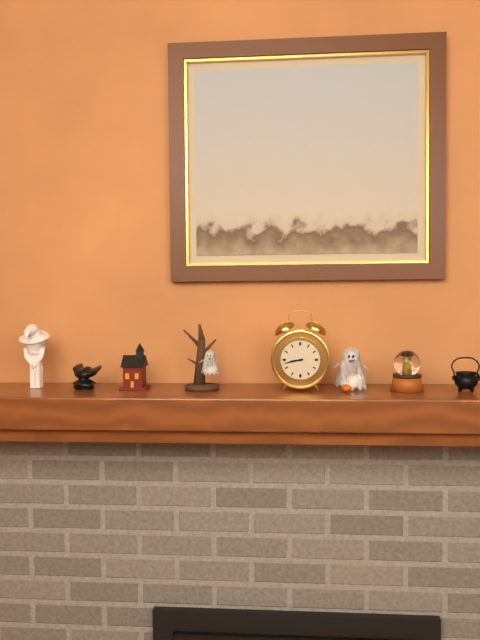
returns 8,43
